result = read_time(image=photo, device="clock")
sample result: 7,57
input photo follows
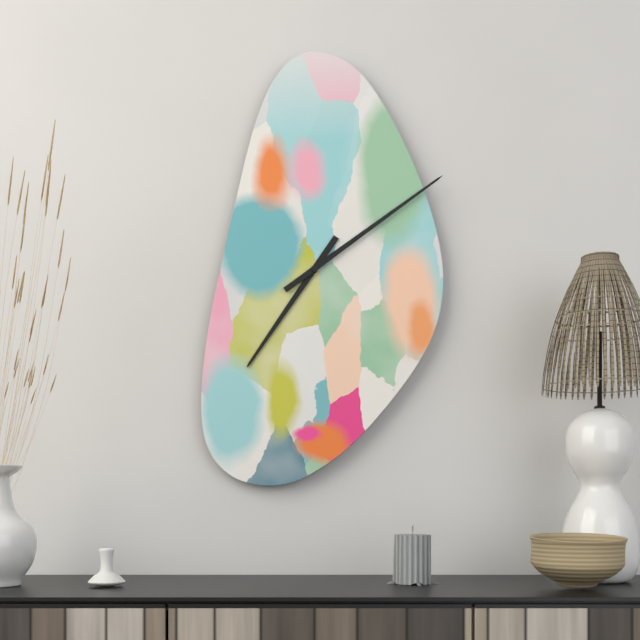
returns 7,09
